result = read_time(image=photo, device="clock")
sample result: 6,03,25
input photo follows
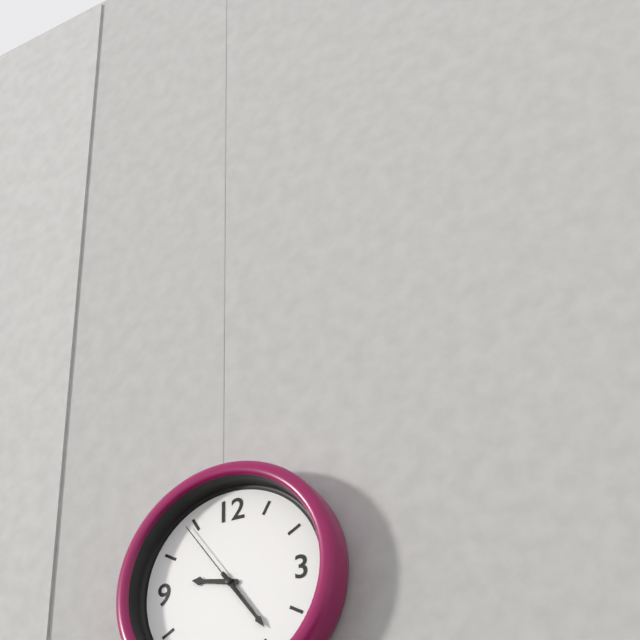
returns 9,24,54
